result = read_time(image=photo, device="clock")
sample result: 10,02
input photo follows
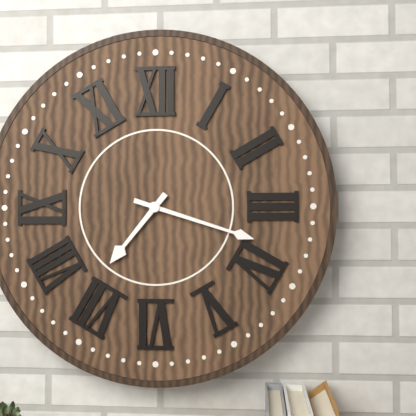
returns 7,18
